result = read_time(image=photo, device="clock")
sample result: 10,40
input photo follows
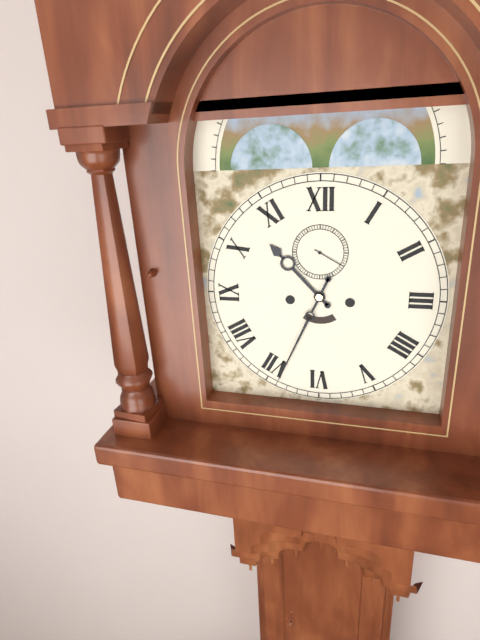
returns 10,34
